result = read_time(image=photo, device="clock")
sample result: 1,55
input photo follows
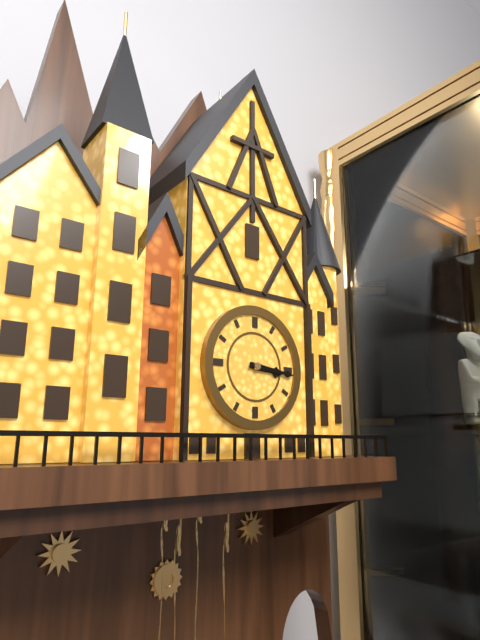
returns 3,16
